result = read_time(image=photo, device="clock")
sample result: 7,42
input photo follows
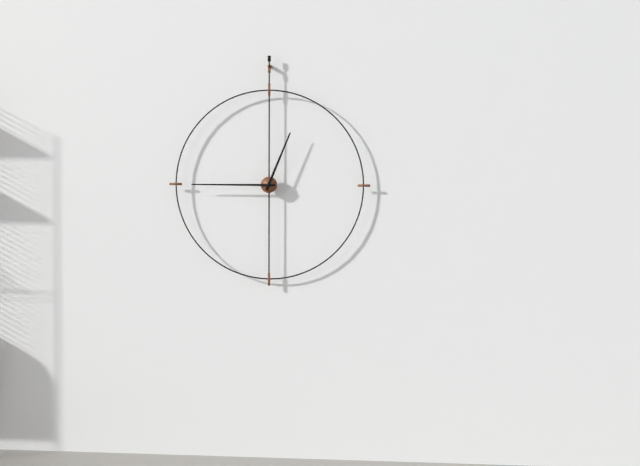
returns 12,45
